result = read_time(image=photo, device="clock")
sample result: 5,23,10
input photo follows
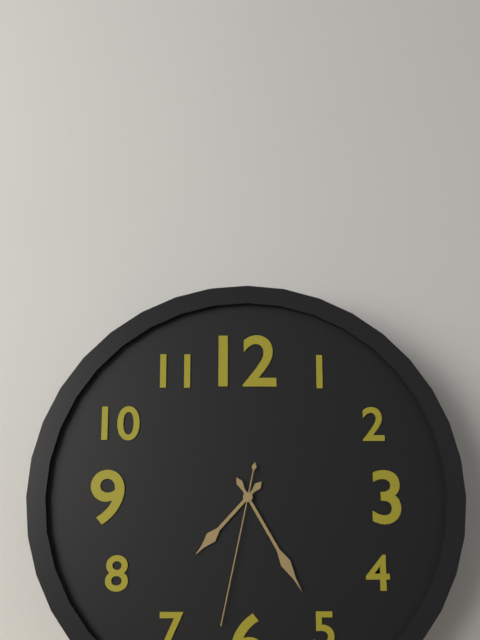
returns 7,25,32
